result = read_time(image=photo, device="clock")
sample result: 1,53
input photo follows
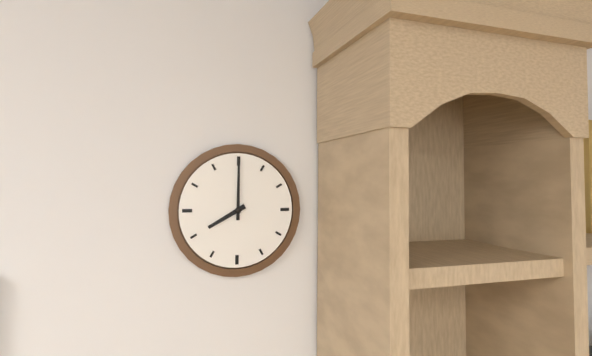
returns 8,00
